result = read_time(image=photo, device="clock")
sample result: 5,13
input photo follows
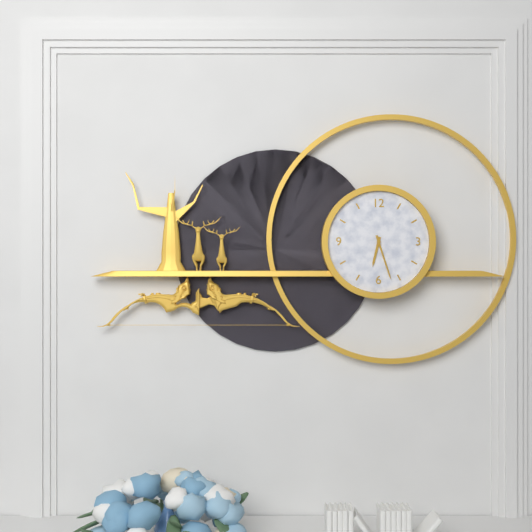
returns 6,27
